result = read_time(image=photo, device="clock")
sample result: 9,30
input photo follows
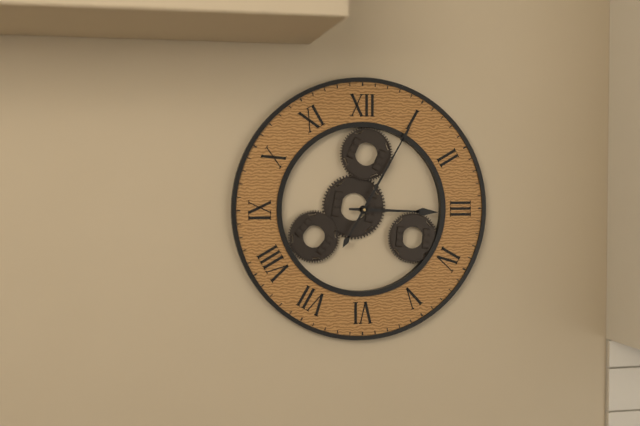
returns 3,05
